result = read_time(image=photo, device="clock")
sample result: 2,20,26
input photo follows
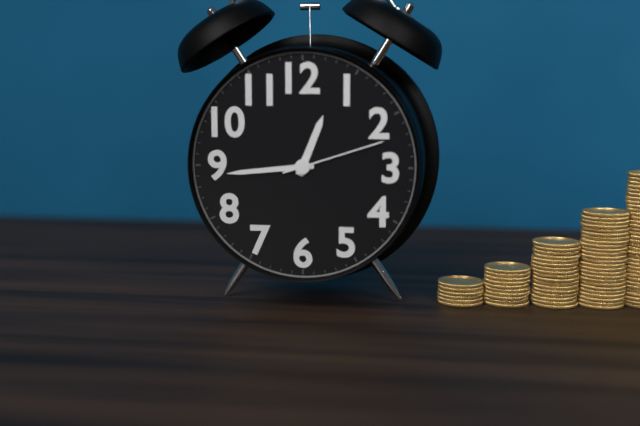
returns 12,44,12
